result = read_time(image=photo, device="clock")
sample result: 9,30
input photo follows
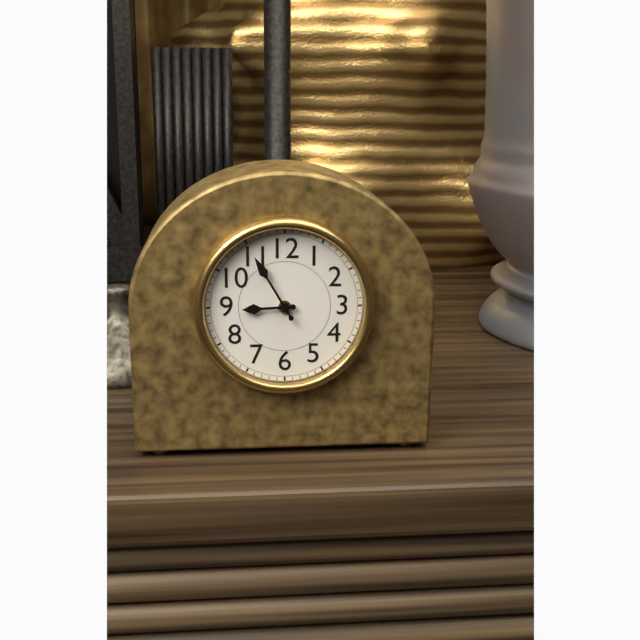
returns 8,55
